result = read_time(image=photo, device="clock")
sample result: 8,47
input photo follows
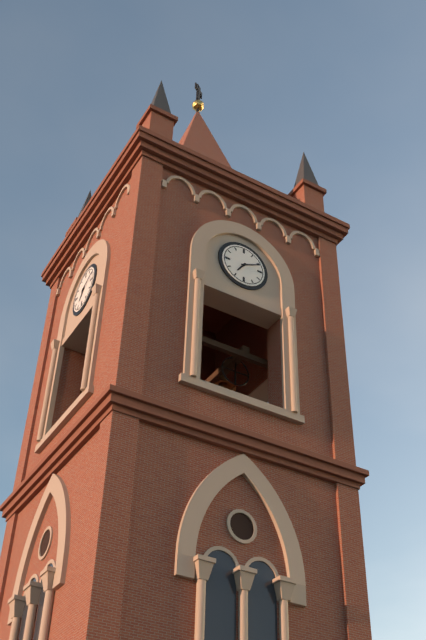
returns 7,11
